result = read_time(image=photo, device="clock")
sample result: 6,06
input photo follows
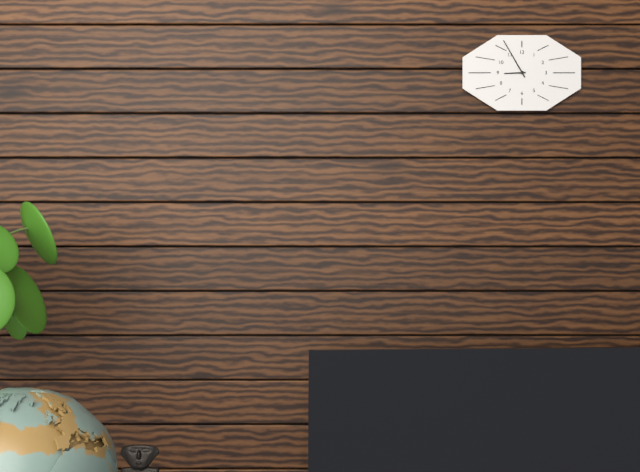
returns 8,55
